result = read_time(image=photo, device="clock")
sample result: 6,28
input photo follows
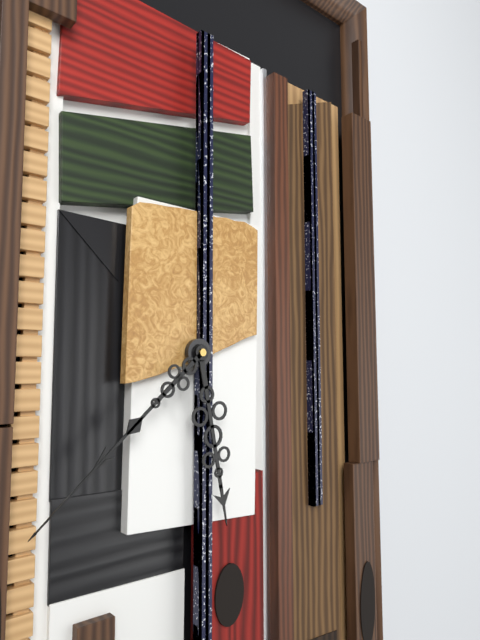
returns 5,38
